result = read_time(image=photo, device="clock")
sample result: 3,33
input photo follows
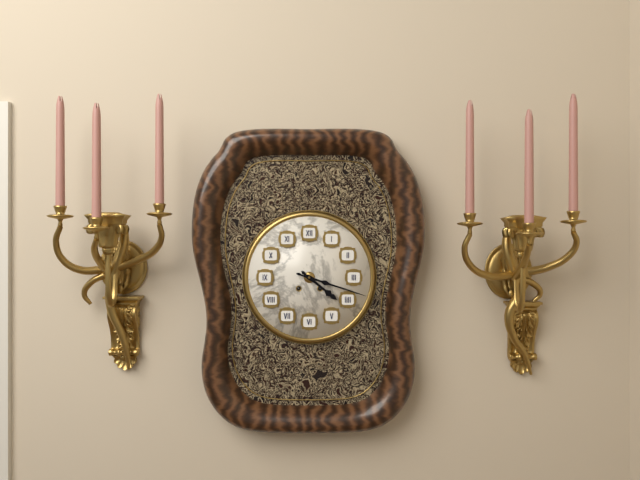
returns 4,18
